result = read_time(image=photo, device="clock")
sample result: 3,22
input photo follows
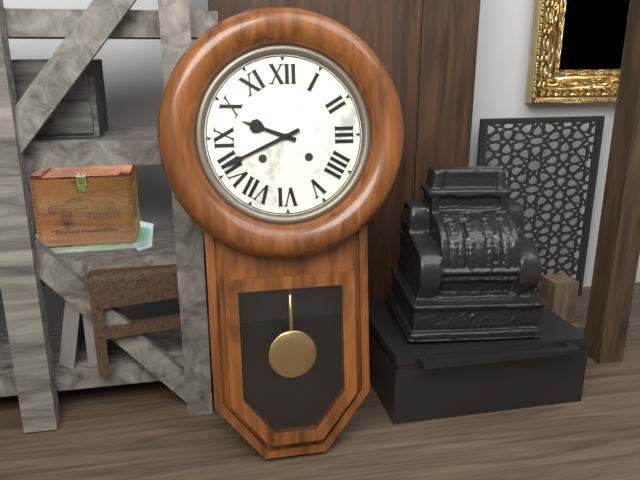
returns 9,41
